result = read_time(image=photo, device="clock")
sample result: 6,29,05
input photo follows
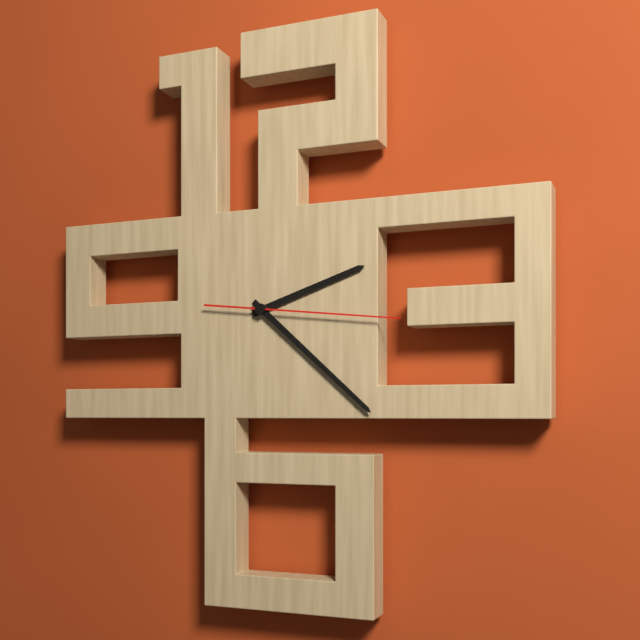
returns 2,22,16
